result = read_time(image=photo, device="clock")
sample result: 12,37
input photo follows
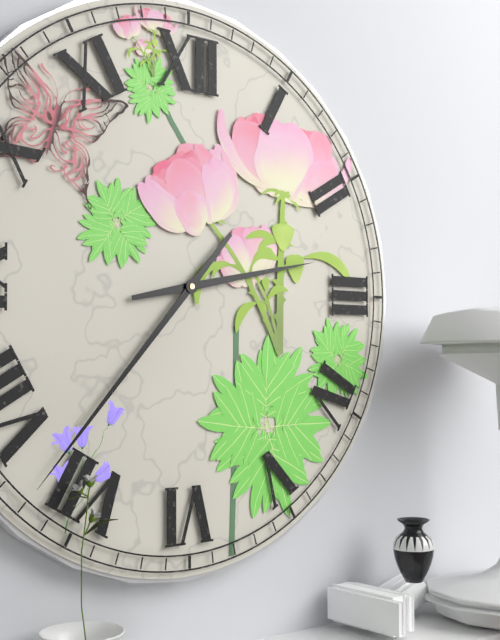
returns 2,37
